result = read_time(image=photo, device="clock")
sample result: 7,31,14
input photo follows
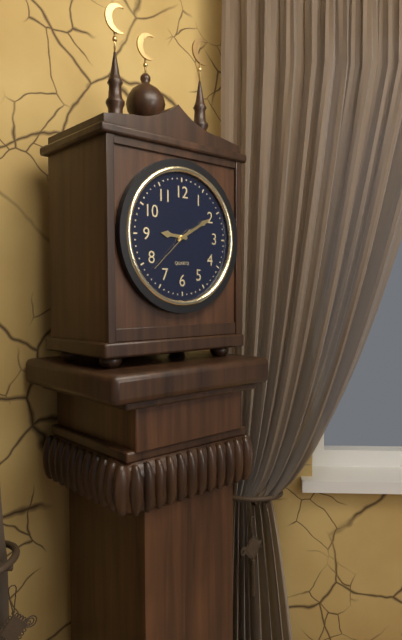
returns 9,10,38
